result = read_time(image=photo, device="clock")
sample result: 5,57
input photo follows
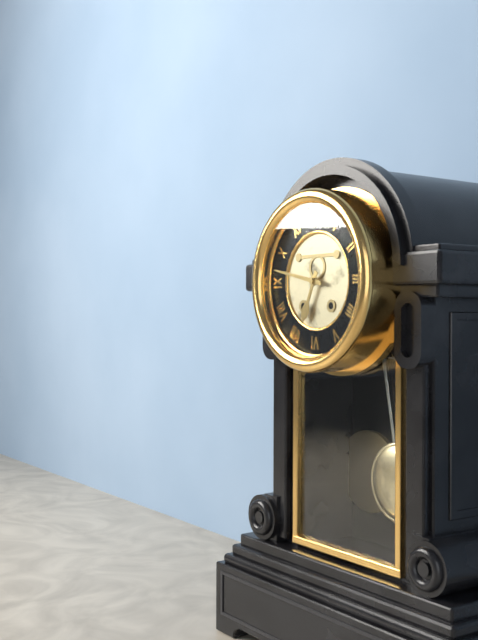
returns 6,47
